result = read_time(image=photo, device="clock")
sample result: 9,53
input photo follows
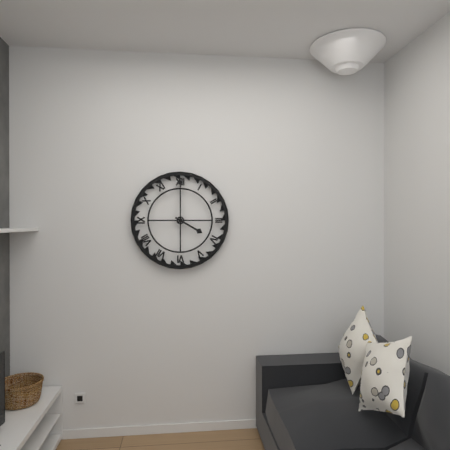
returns 4,00
